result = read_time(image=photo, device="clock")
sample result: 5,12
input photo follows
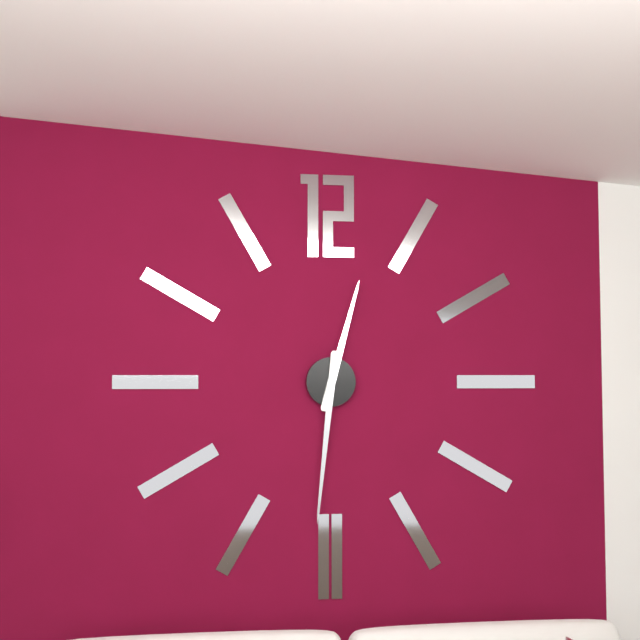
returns 12,31
